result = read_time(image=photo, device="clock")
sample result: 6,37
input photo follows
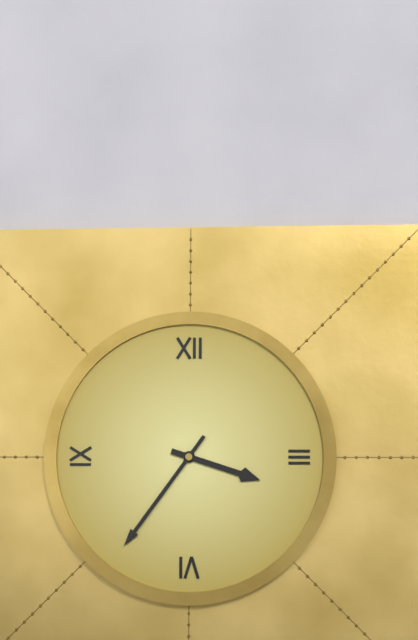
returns 3,36
